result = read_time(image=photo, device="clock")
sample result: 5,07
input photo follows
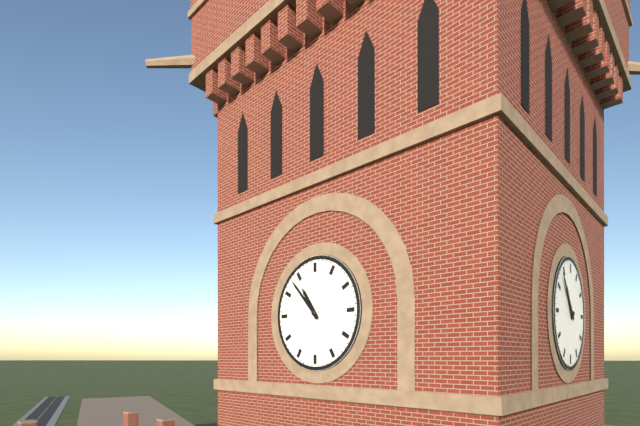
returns 10,53
